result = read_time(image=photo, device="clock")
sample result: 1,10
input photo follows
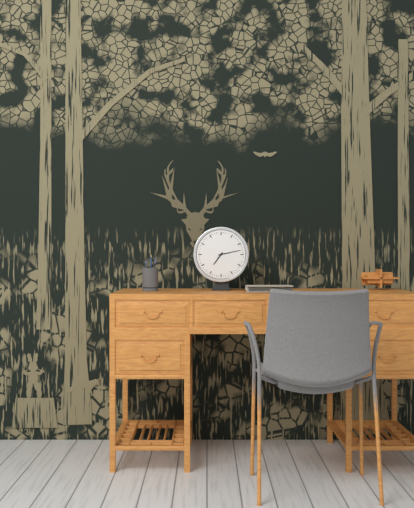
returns 7,13
